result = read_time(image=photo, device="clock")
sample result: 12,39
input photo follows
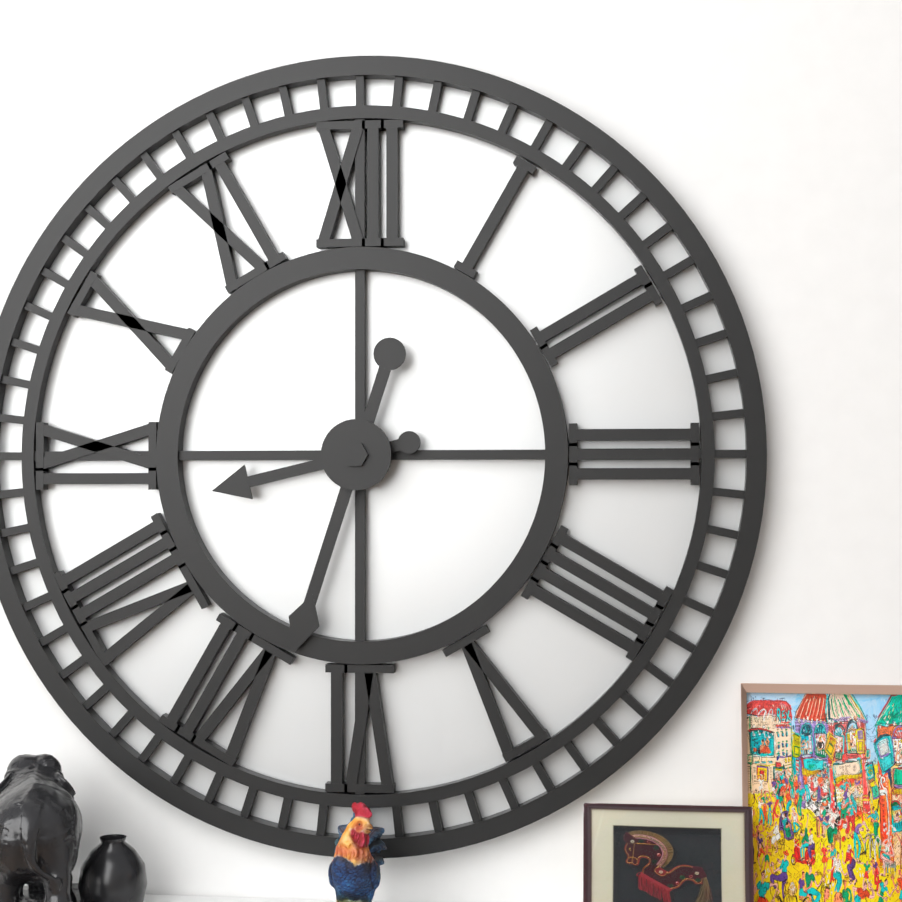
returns 8,33
